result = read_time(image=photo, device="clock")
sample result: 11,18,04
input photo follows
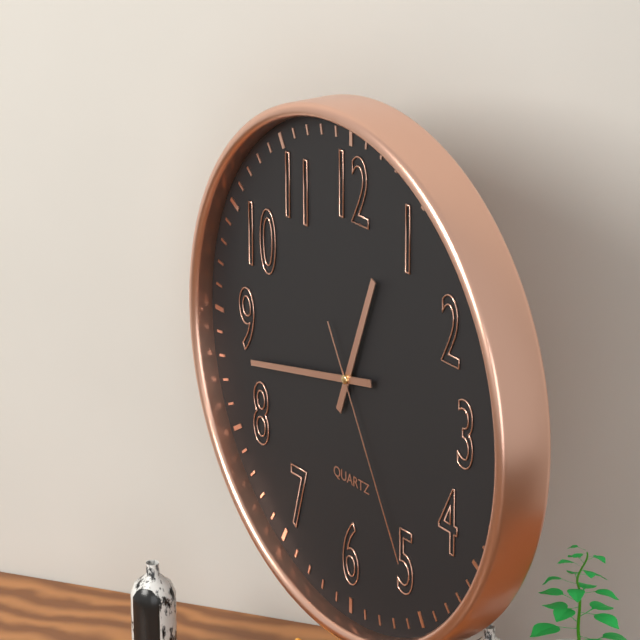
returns 12,43,25
